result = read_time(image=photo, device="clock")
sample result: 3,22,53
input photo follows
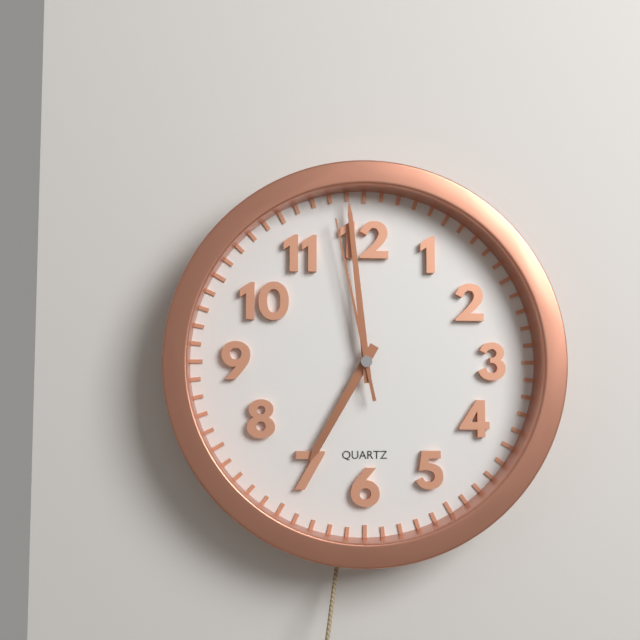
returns 6,59,58
